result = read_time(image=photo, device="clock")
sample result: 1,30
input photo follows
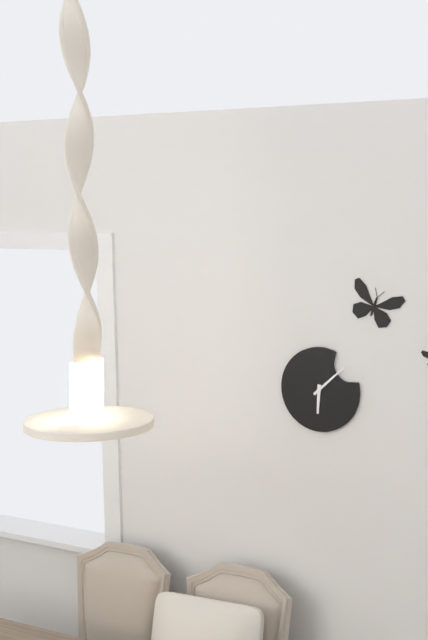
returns 6,08
